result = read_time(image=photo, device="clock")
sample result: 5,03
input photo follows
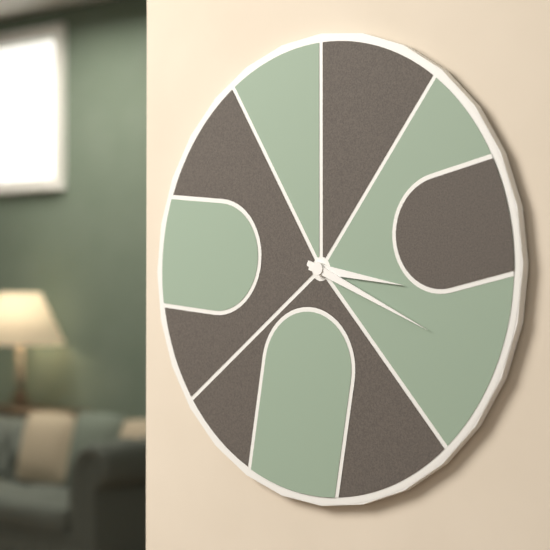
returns 3,19
